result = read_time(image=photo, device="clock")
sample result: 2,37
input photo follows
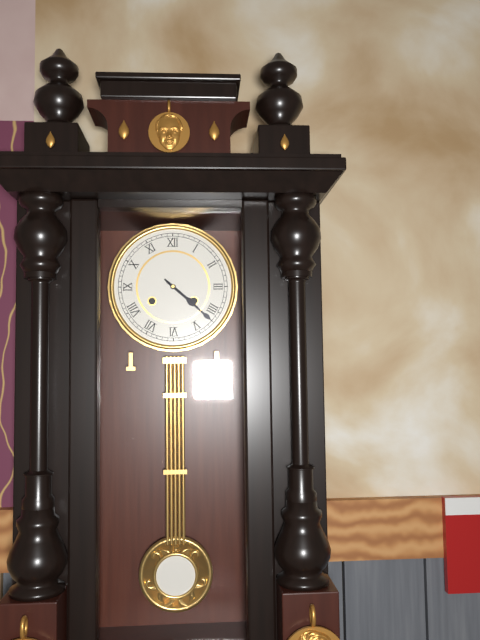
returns 4,22
